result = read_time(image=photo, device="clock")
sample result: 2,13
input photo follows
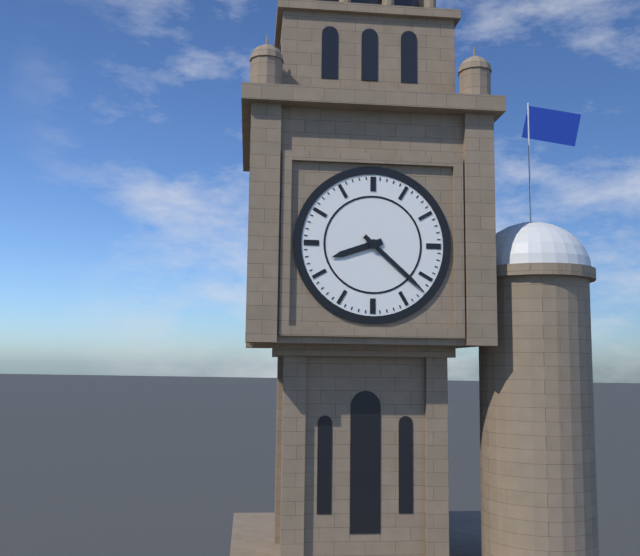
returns 8,22
